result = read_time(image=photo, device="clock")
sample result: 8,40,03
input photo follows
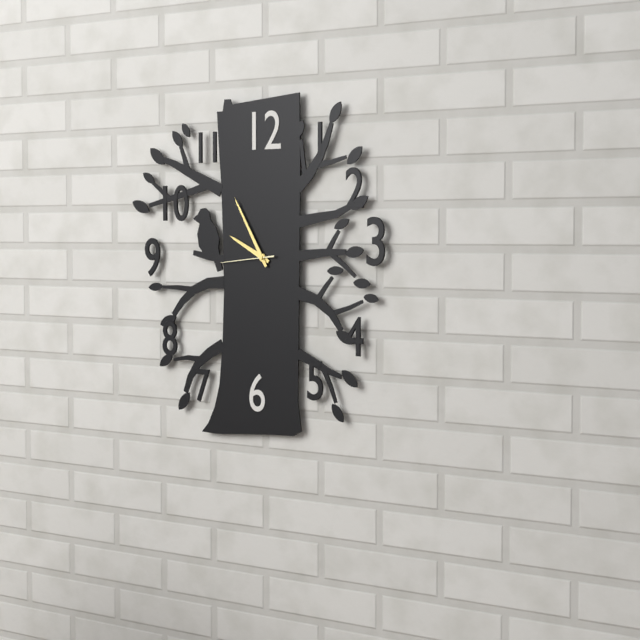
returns 9,55,44
